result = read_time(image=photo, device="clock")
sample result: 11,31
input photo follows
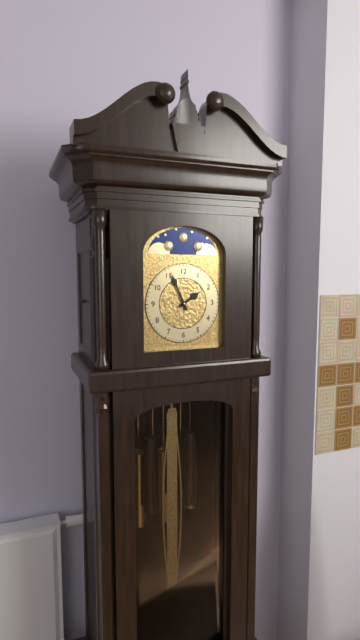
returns 1,56
